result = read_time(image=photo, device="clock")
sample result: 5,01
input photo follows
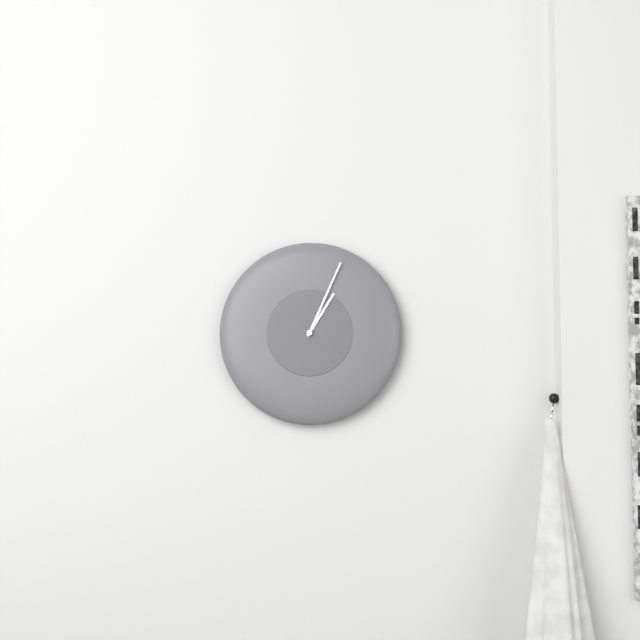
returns 1,04
